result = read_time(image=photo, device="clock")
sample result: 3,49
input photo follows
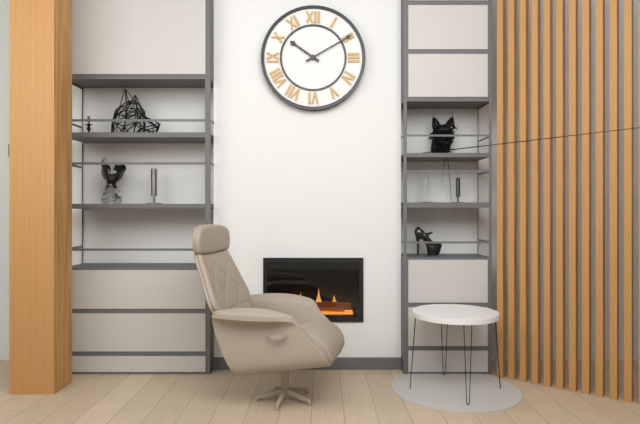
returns 10,10
